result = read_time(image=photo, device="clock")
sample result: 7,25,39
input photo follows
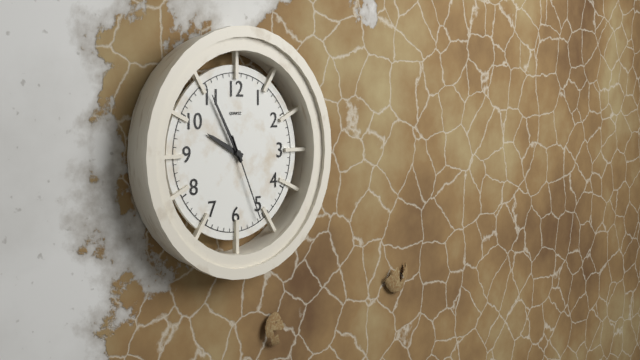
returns 9,55,26
